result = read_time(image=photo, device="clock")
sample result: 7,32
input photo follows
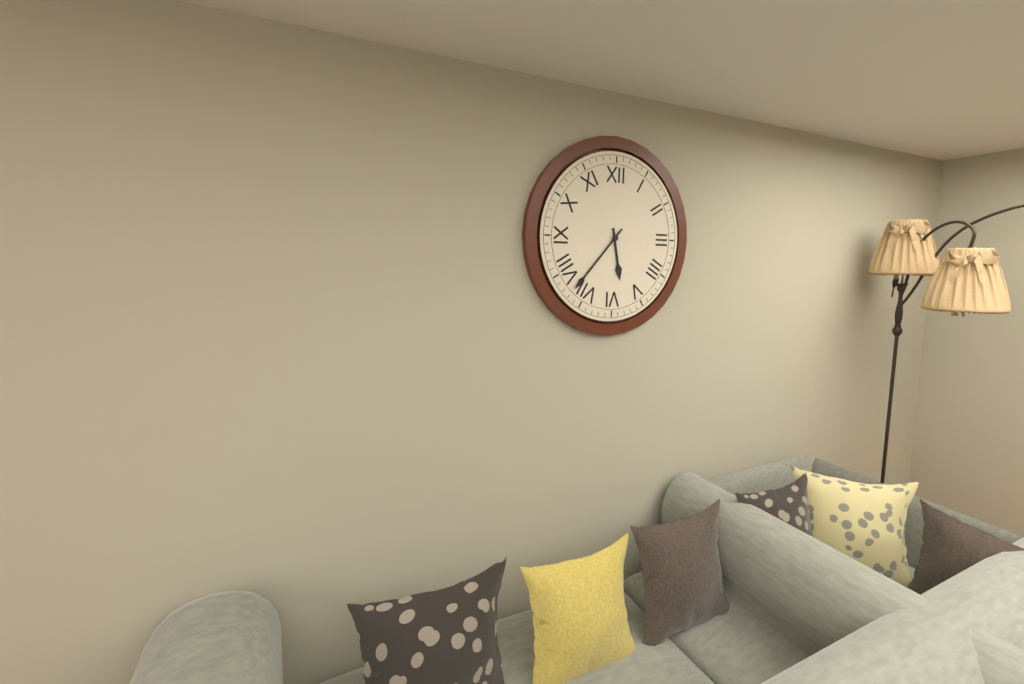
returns 5,37
